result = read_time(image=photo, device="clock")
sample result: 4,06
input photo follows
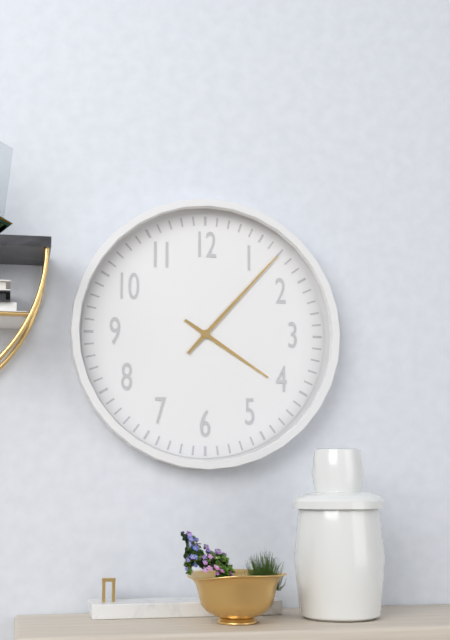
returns 4,07
